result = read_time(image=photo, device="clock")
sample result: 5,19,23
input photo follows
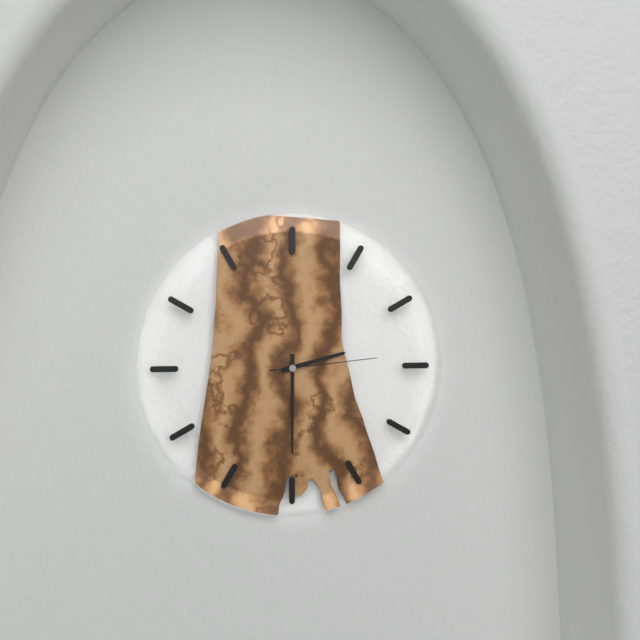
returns 2,30,14
